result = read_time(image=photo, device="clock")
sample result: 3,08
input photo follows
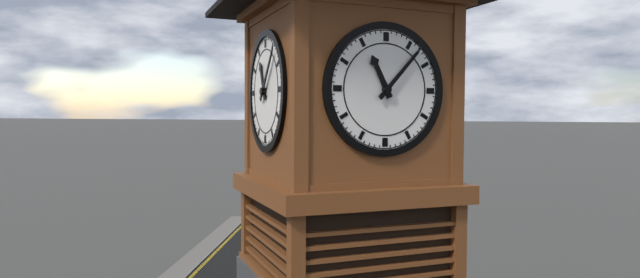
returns 11,07
